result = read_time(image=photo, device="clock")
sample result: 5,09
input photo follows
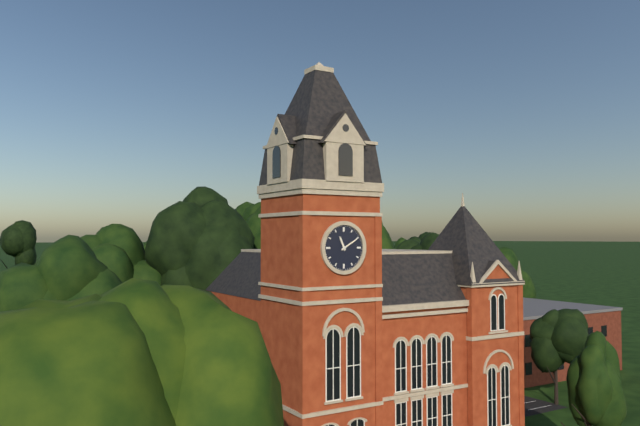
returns 11,10
